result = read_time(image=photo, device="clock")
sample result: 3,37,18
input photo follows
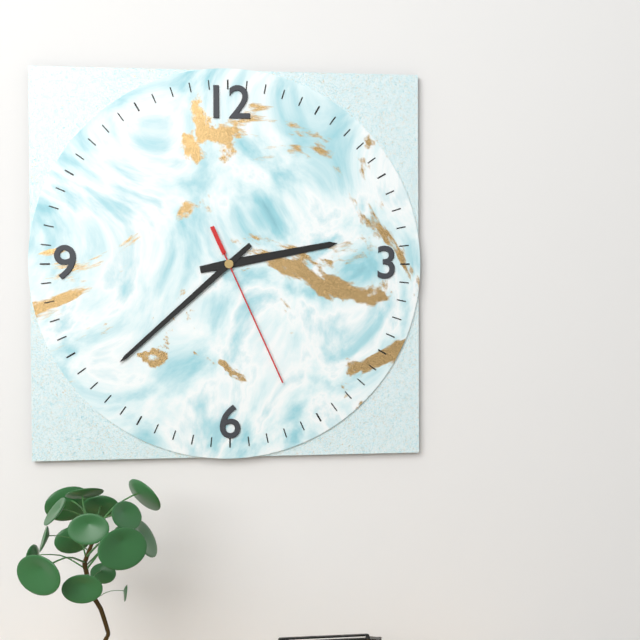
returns 2,38,26
